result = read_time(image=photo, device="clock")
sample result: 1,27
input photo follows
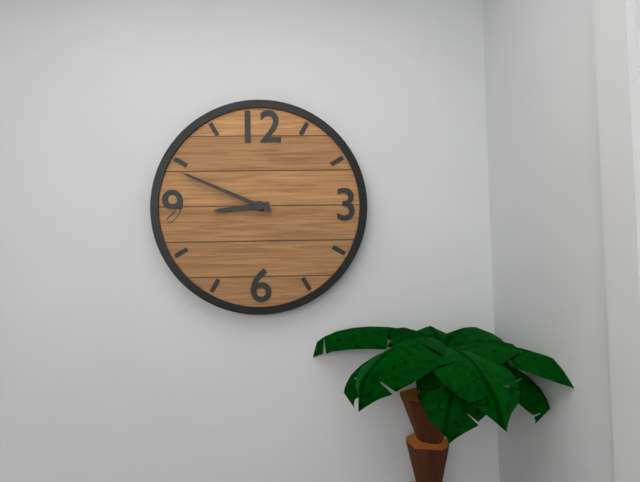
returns 8,49
